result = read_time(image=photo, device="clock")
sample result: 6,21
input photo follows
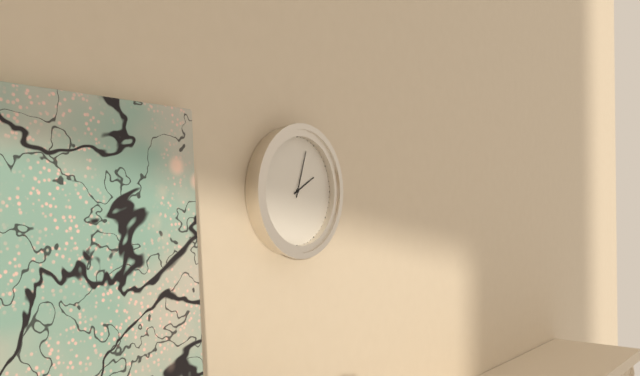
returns 2,03
